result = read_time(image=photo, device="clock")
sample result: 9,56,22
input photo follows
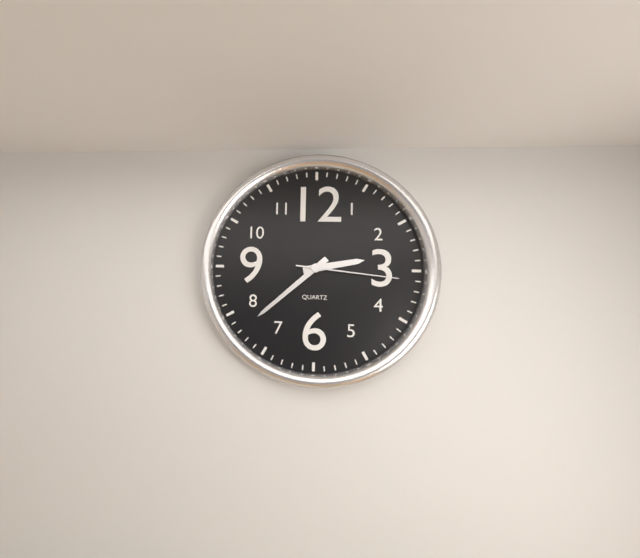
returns 2,38,16
